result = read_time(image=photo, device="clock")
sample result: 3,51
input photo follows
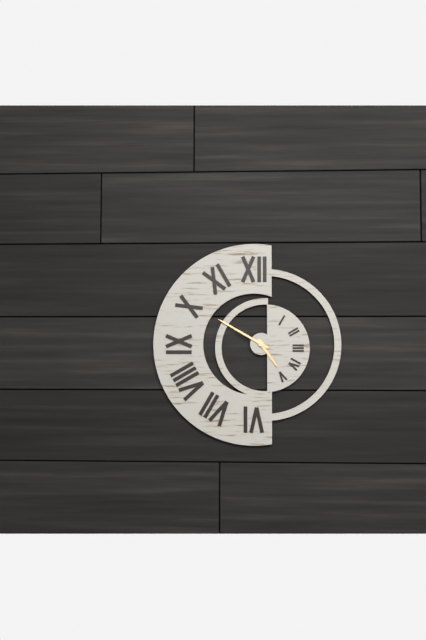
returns 4,50
